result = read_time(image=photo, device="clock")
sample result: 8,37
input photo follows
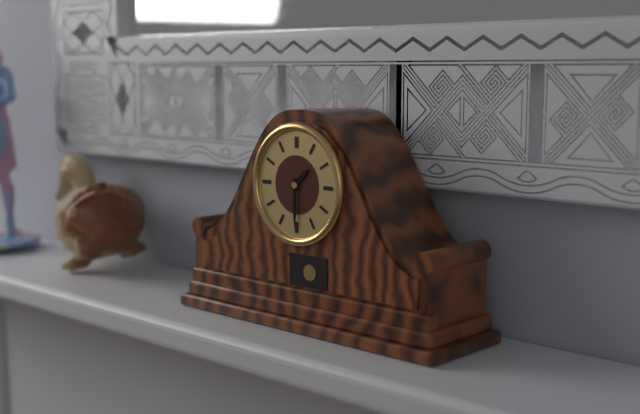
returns 1,30
